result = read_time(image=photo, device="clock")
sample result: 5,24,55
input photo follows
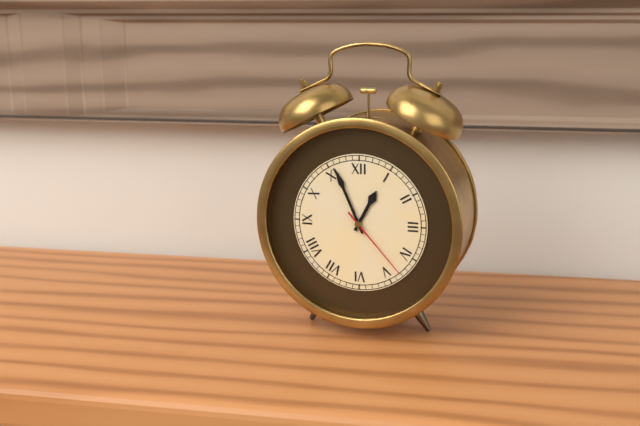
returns 12,56,23
